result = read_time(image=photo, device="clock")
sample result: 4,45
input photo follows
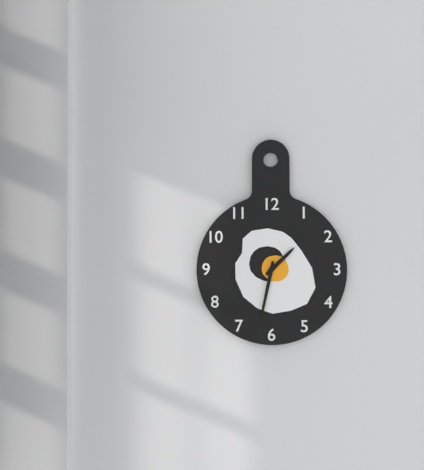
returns 1,32
